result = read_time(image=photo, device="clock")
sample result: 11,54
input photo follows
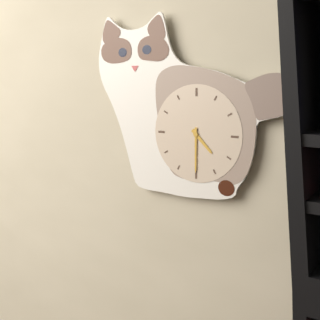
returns 4,30
